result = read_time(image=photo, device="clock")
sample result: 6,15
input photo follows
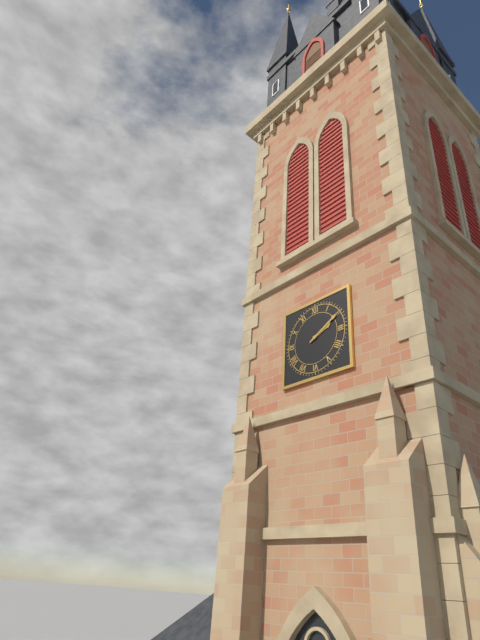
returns 2,10
